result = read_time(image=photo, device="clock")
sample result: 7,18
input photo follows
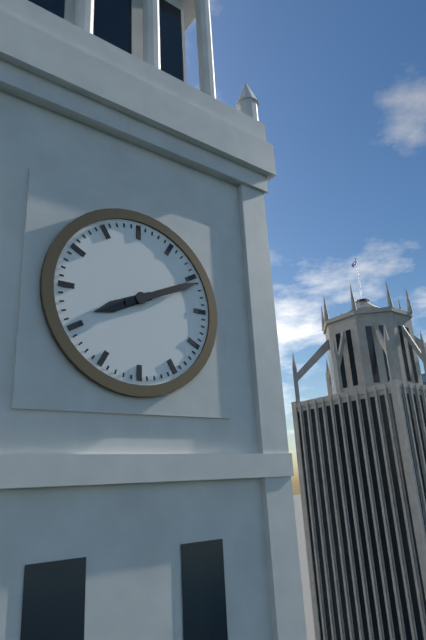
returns 8,11
